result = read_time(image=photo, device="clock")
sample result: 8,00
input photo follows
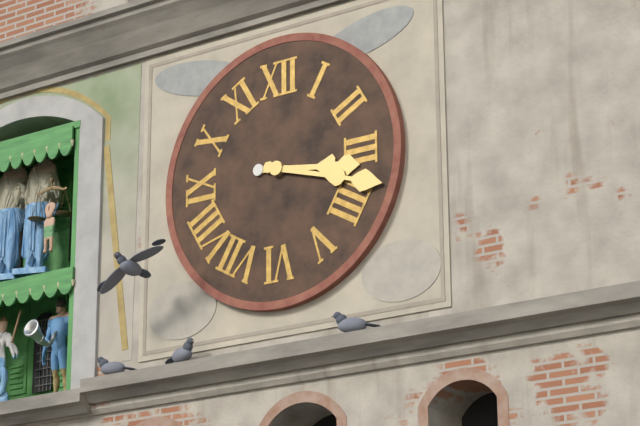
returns 3,18
